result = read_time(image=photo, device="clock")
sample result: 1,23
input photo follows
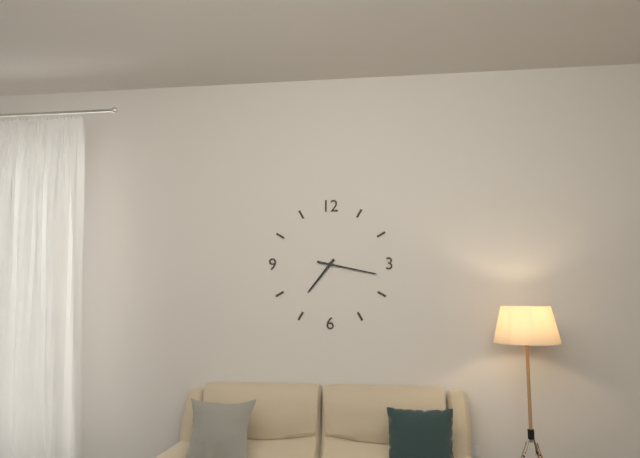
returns 7,17
